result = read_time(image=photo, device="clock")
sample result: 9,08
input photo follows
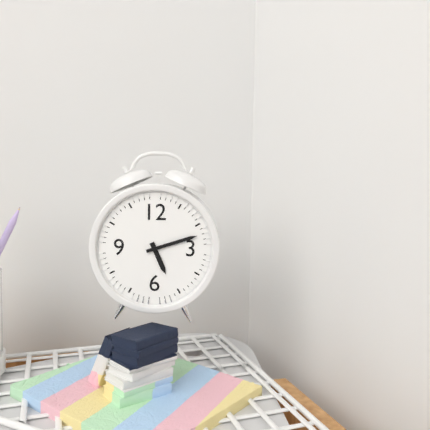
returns 5,12
